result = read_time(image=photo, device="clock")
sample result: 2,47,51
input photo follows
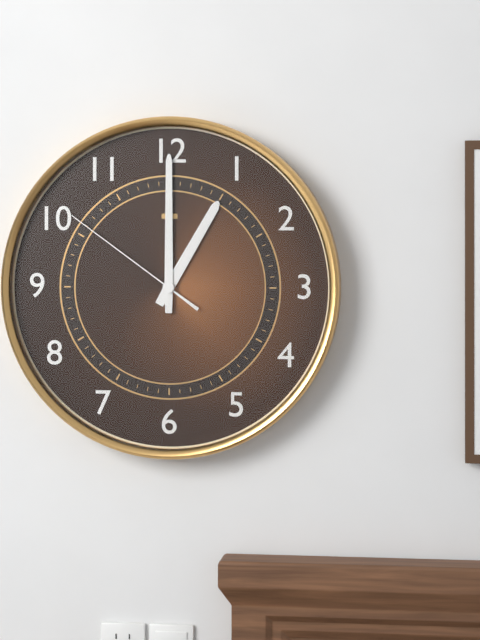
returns 1,00,51
